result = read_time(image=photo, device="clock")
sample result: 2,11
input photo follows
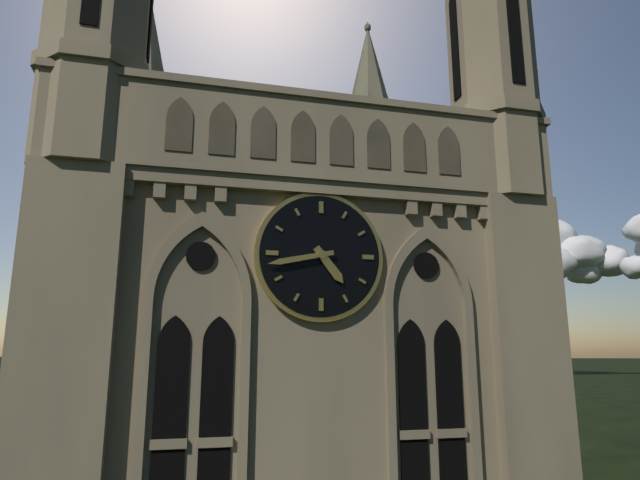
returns 4,43
